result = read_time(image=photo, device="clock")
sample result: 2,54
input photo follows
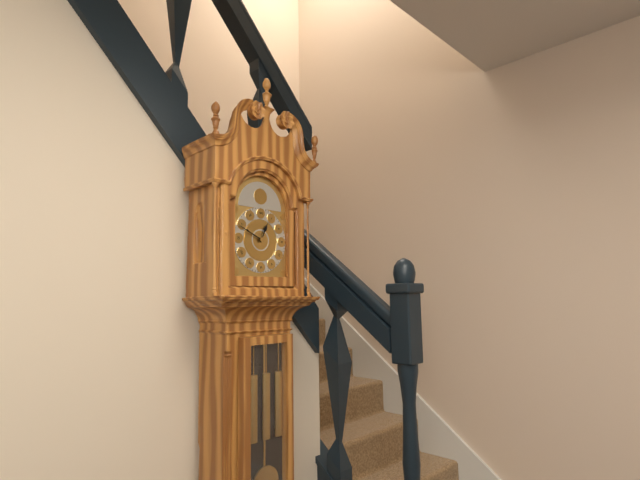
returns 12,49
